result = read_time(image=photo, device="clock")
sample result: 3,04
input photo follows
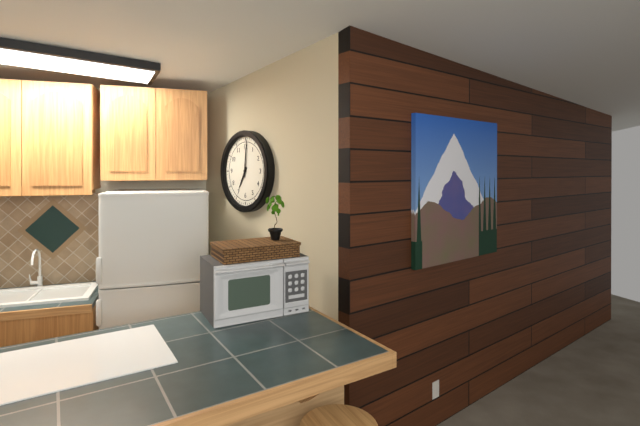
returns 7,01
